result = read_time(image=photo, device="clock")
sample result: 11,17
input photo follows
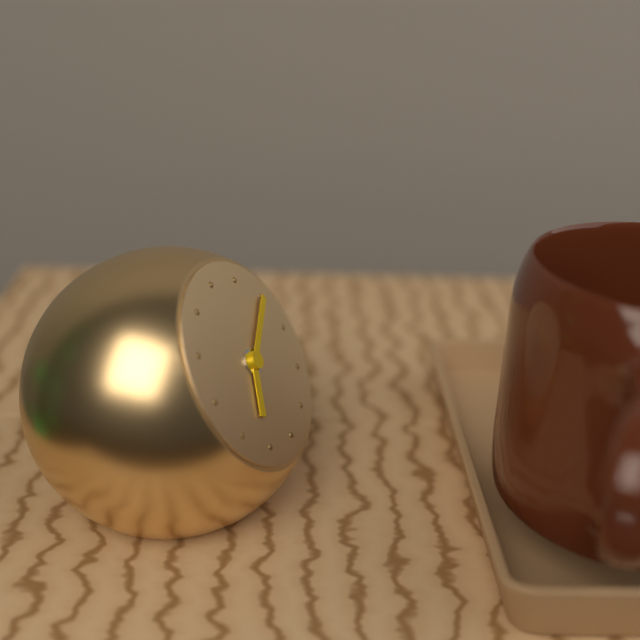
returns 7,10
